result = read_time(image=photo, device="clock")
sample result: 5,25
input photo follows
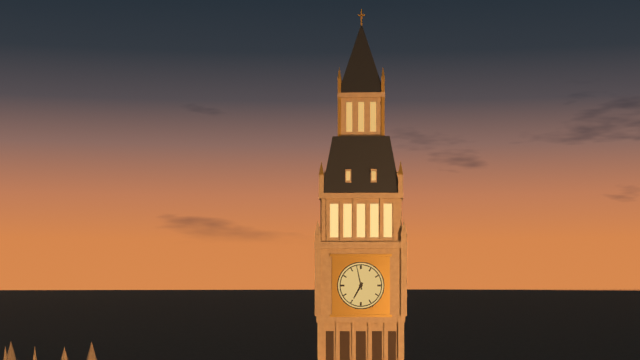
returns 6,58
